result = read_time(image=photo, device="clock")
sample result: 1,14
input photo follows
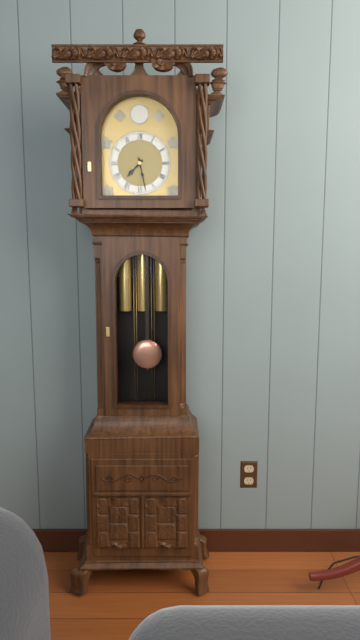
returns 7,28
